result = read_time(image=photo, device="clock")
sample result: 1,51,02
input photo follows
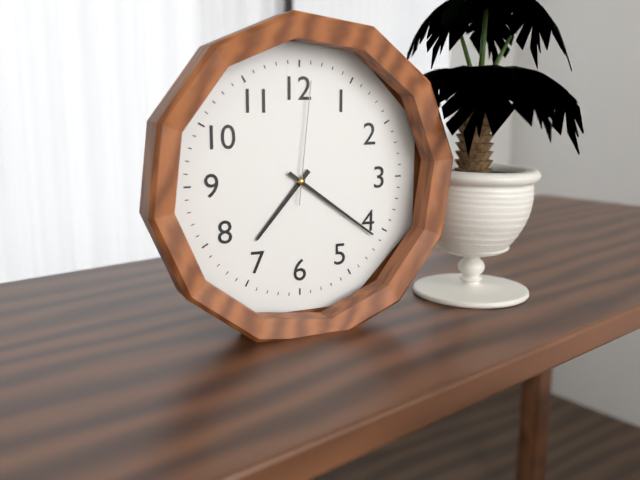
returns 7,21,01
